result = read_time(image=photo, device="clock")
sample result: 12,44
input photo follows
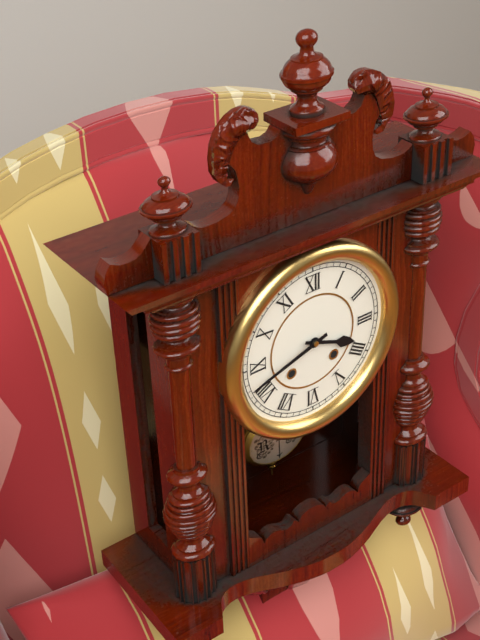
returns 3,42
